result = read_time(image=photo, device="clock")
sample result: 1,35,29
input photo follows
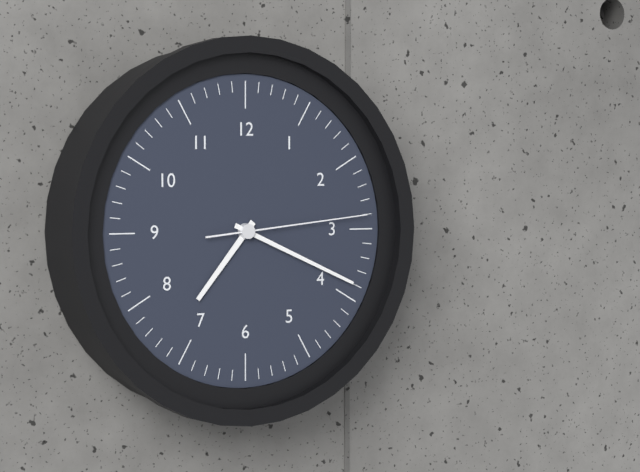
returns 7,19,14
